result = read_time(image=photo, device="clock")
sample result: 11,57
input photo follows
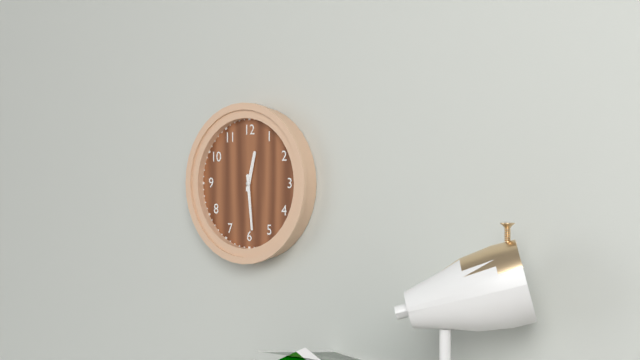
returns 12,29
